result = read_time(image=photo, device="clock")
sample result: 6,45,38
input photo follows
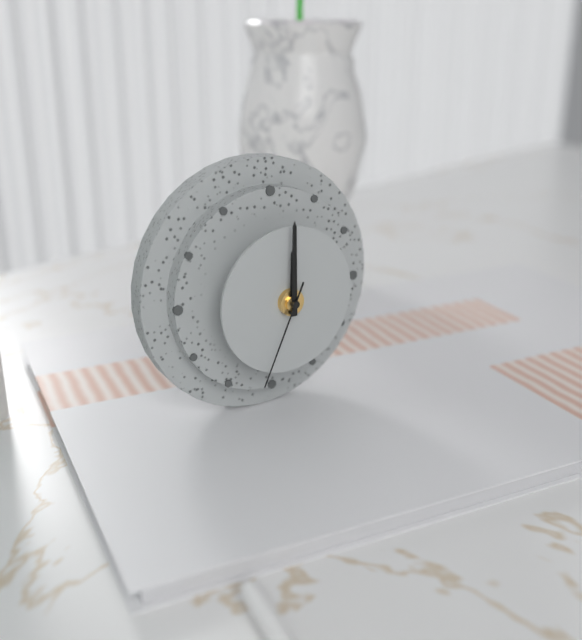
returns 12,00,34
